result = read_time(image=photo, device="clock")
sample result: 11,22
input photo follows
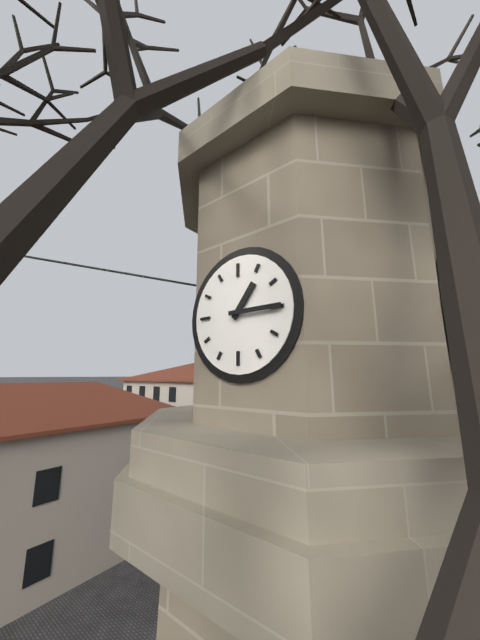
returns 1,15
